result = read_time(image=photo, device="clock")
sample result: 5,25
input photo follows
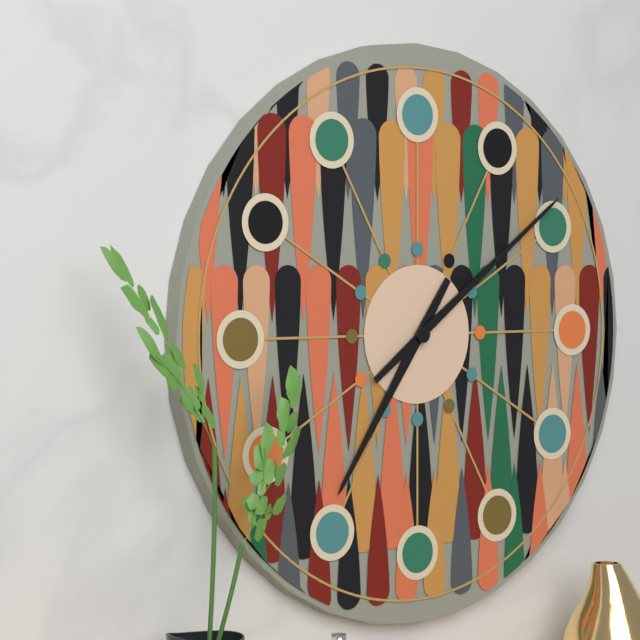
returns 7,09
